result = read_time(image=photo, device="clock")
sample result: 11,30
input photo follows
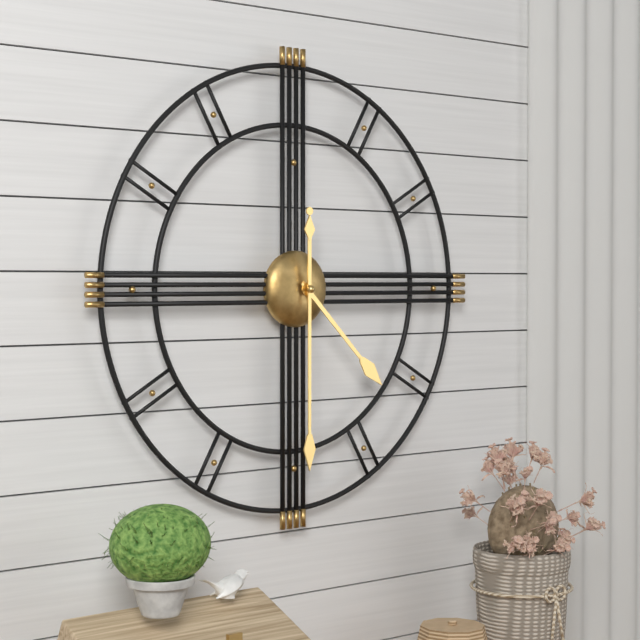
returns 4,30
